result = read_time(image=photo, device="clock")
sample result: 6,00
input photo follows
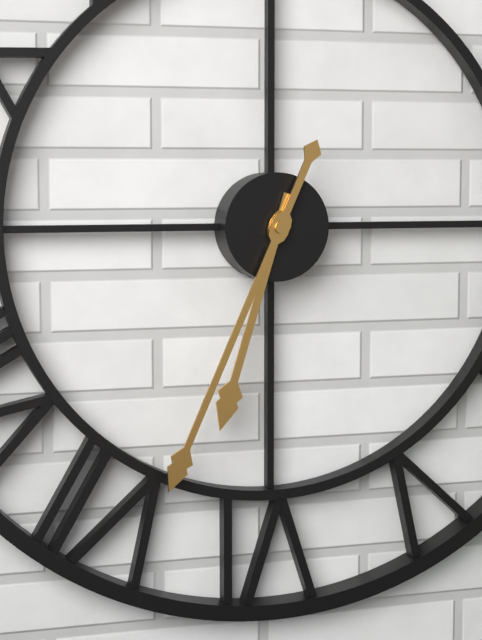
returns 6,34
